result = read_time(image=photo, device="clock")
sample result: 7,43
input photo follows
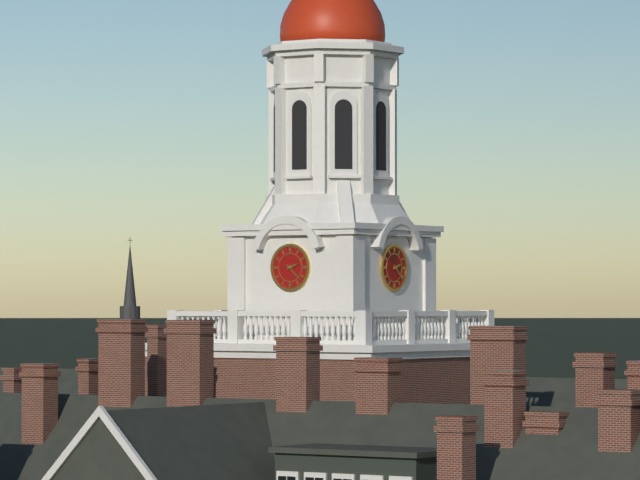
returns 2,22
